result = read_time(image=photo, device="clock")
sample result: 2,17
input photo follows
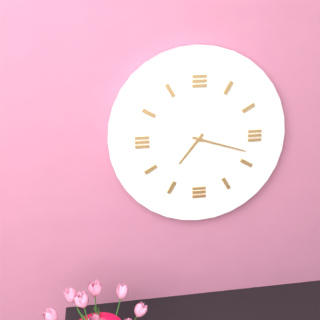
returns 7,18
